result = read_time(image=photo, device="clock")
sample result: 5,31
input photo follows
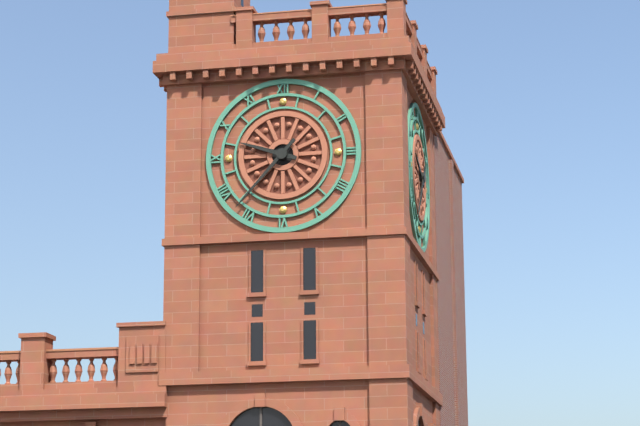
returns 9,37
